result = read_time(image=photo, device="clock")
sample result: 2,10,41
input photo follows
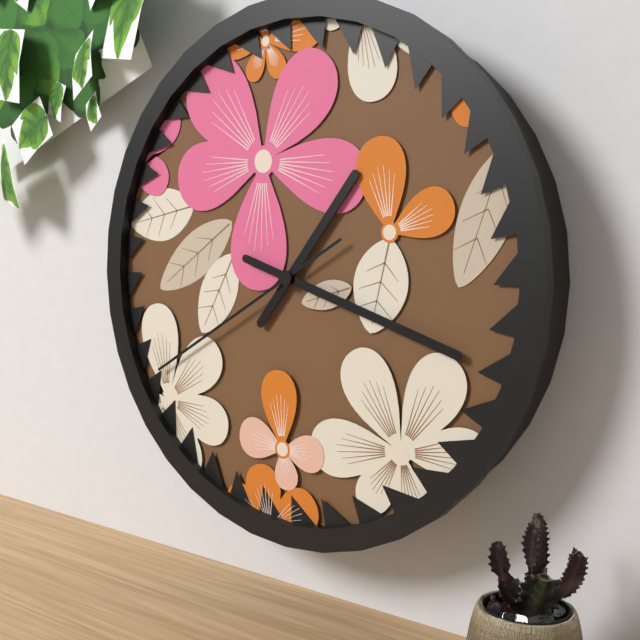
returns 1,18,40
